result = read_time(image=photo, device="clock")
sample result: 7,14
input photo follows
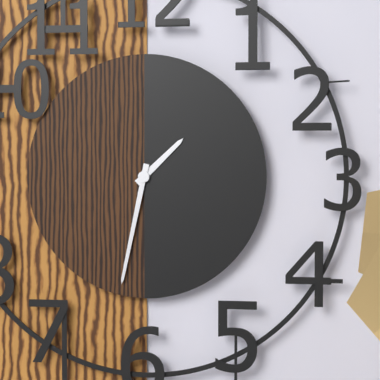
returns 1,32
